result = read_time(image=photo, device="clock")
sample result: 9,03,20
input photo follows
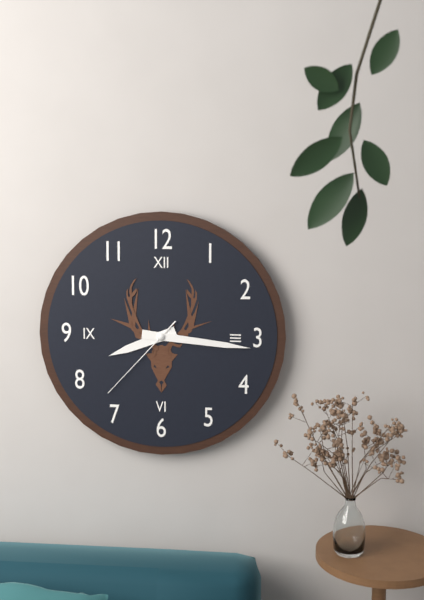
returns 8,16,37
